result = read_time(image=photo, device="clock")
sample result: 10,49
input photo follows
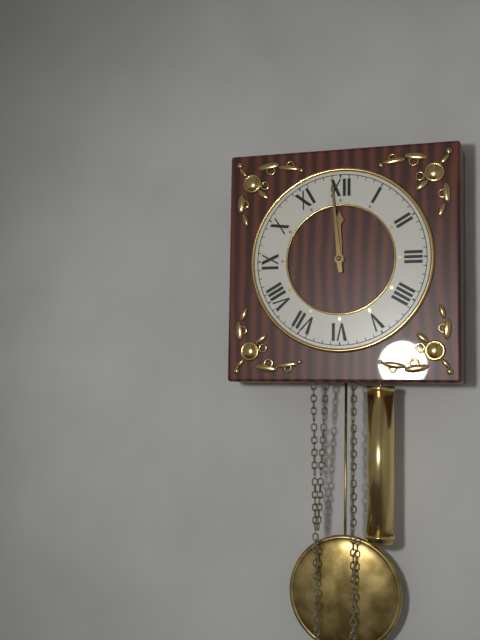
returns 11,59
